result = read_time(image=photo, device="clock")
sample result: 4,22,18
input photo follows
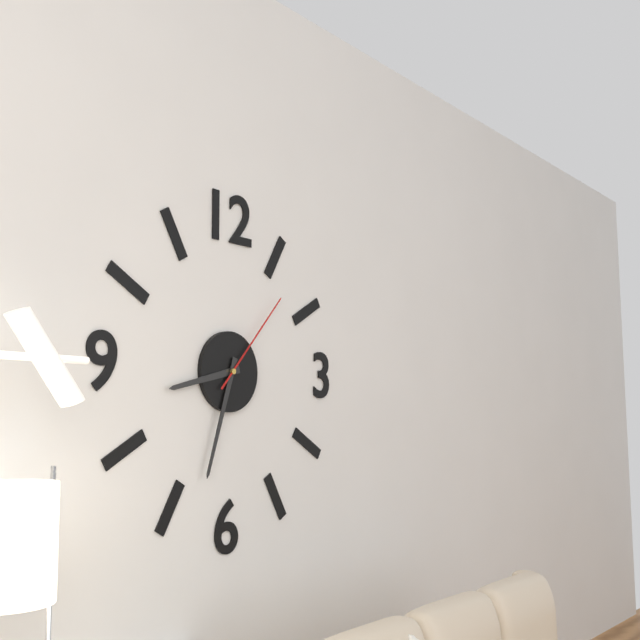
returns 8,33,07
